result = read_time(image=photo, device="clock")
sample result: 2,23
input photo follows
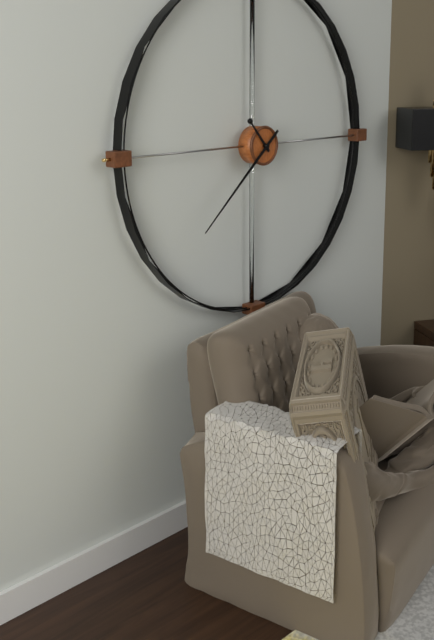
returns 10,38
